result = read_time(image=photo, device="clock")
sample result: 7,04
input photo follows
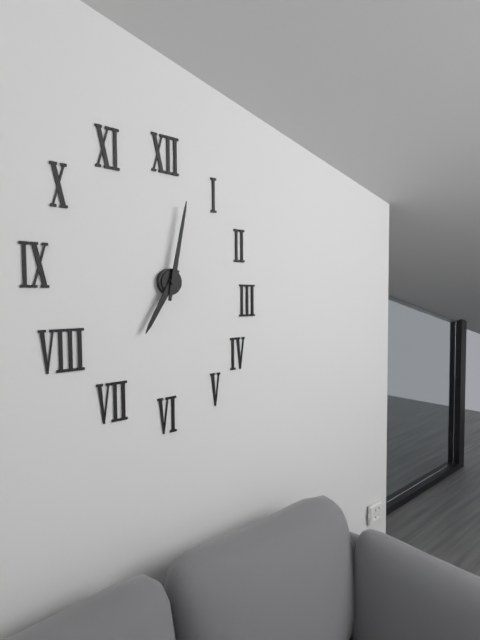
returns 7,02
